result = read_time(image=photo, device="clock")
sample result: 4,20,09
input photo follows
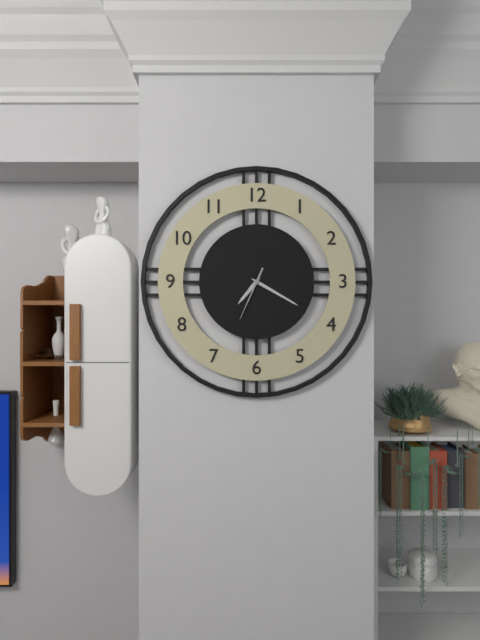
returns 7,20,34
